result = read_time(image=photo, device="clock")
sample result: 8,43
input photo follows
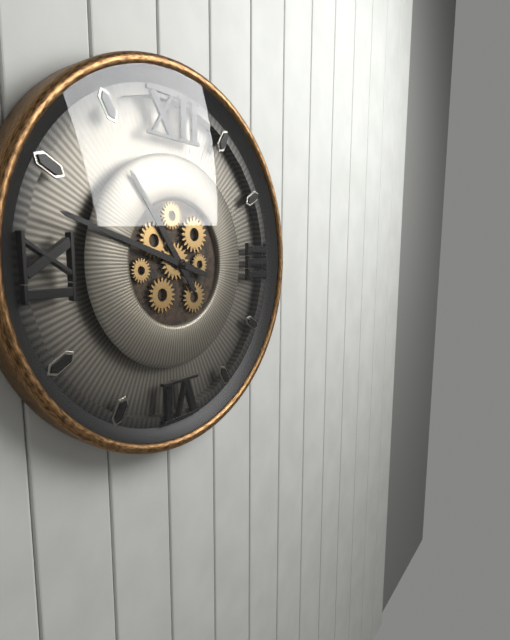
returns 10,48
